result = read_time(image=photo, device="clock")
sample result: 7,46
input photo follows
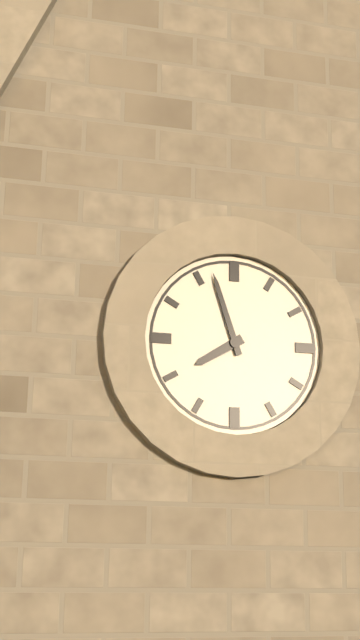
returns 7,57
